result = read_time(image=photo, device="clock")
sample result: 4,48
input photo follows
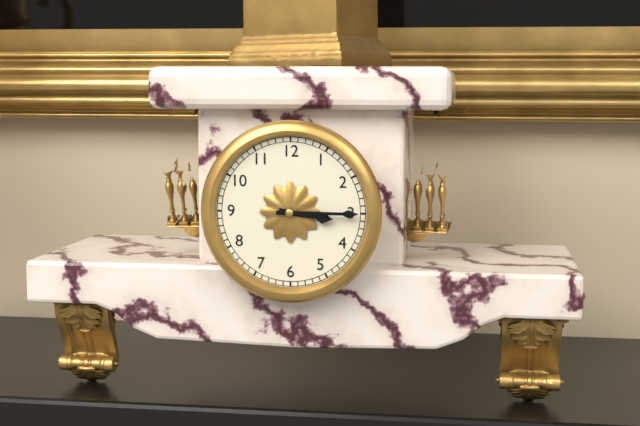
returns 3,15
